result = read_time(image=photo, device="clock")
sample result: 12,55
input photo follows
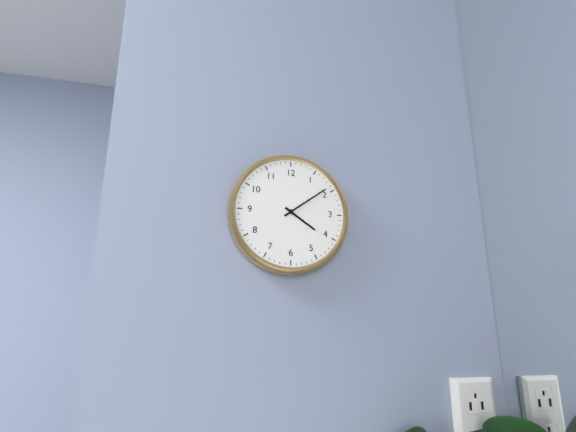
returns 4,09
